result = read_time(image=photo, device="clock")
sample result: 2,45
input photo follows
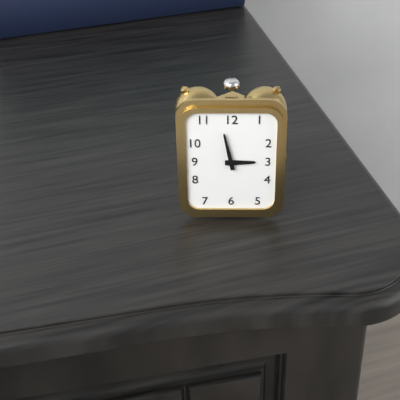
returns 2,58
